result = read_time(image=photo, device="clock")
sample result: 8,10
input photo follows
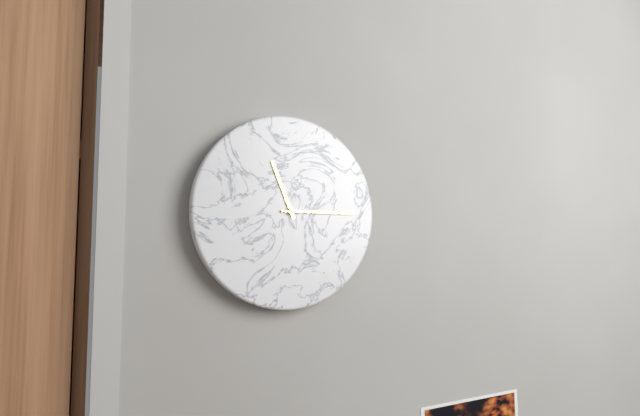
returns 11,15
